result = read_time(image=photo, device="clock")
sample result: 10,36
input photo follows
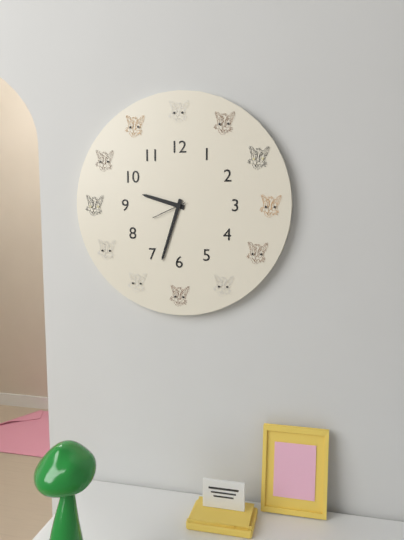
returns 9,33
